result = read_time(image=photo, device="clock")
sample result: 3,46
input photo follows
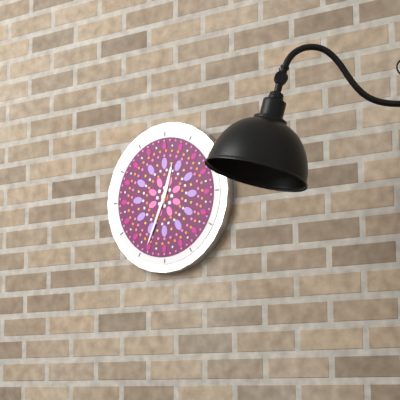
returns 12,34
